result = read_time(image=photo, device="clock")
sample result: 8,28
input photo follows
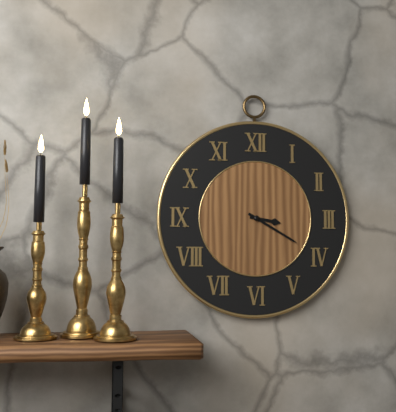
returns 3,20
